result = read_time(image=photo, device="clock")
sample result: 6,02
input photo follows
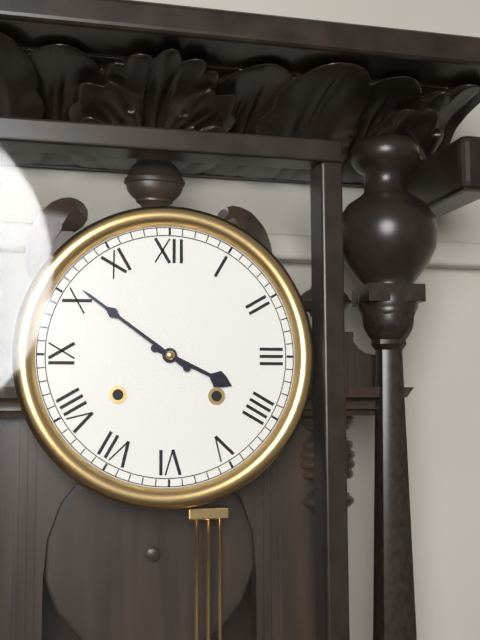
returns 3,51
